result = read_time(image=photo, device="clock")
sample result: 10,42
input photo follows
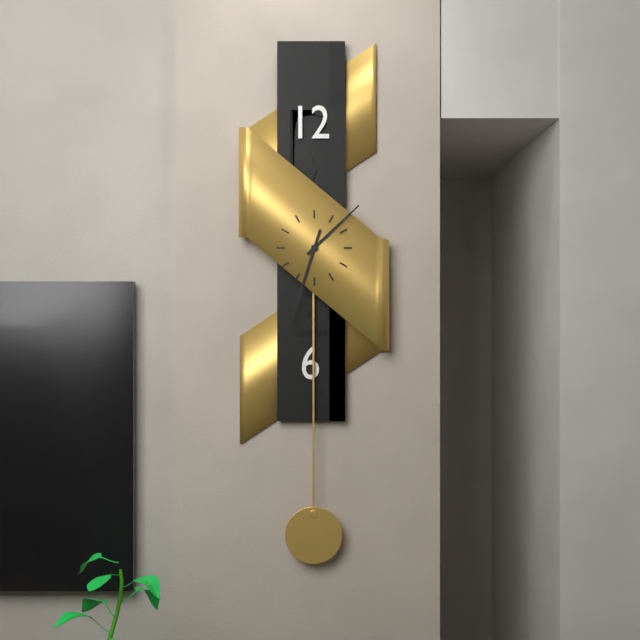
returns 1,33
